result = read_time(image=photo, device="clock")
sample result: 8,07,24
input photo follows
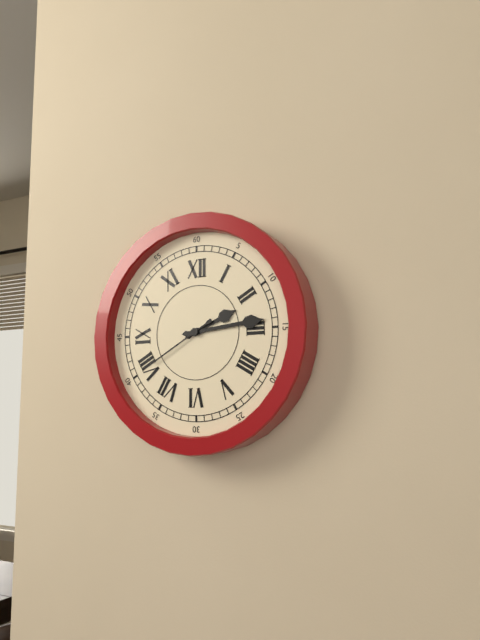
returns 2,14,40
